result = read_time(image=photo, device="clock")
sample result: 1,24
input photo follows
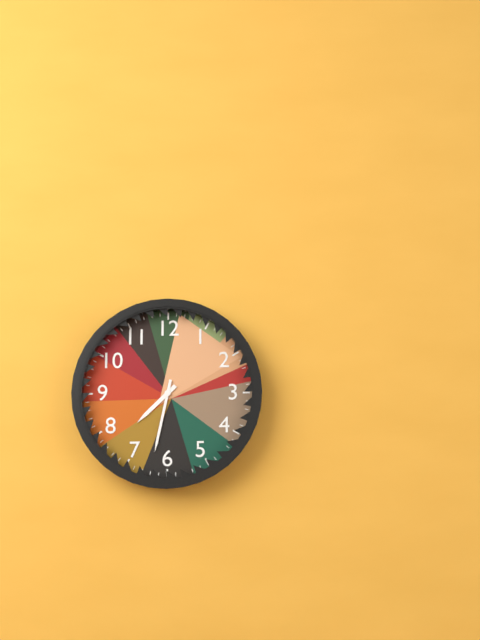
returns 7,32
